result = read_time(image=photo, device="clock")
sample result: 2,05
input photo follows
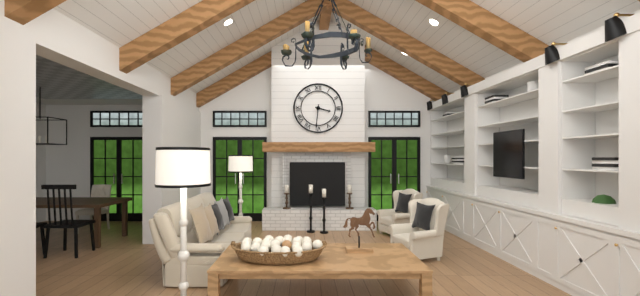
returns 3,31
